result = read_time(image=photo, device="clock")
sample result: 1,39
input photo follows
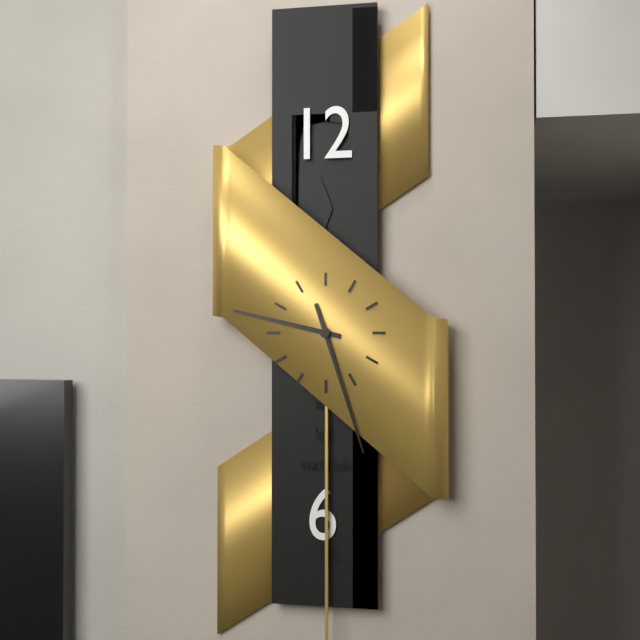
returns 9,27
